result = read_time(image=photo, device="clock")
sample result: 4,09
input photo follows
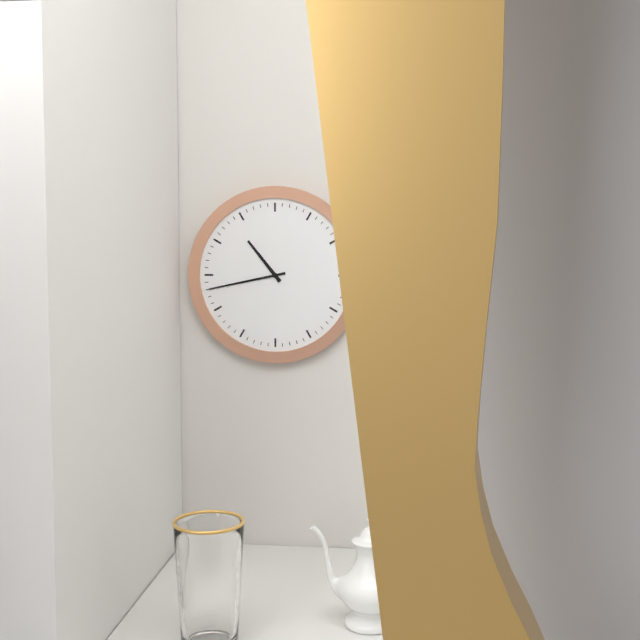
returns 10,43
